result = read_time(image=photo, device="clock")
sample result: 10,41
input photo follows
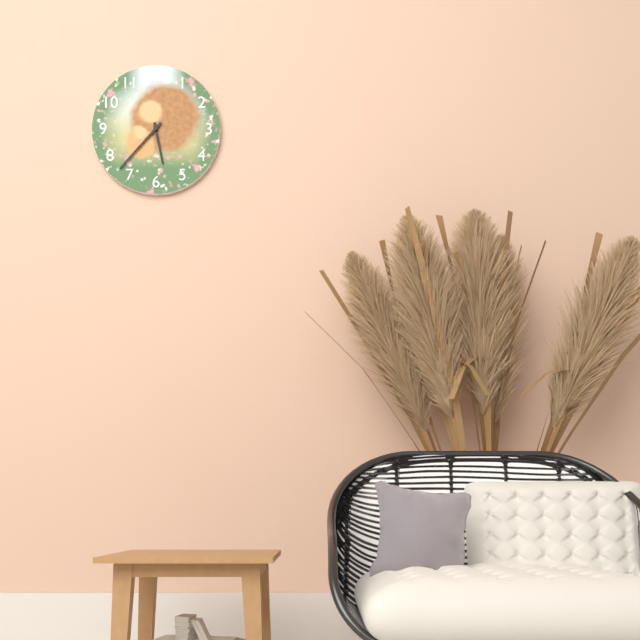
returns 5,37
